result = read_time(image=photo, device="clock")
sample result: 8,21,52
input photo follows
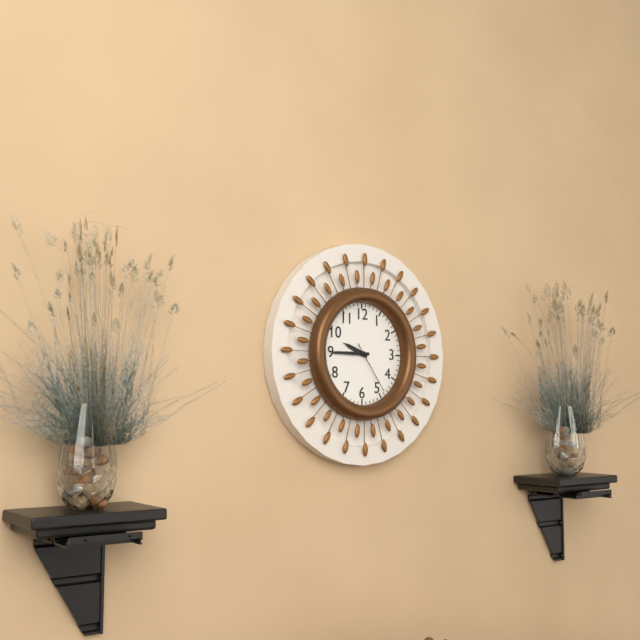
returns 9,45,24
